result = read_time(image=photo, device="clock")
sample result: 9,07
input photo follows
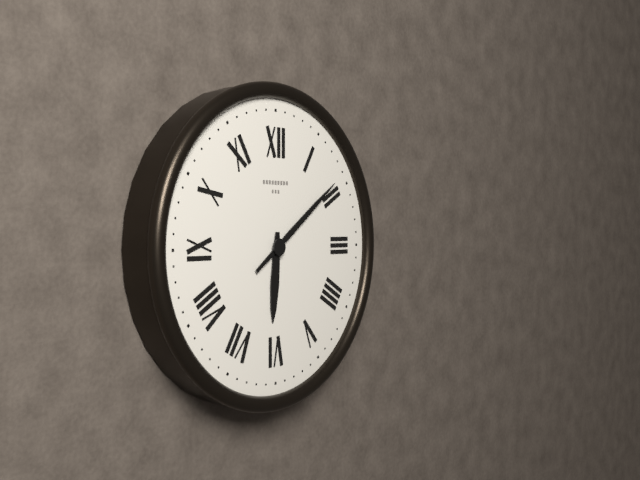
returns 6,09
